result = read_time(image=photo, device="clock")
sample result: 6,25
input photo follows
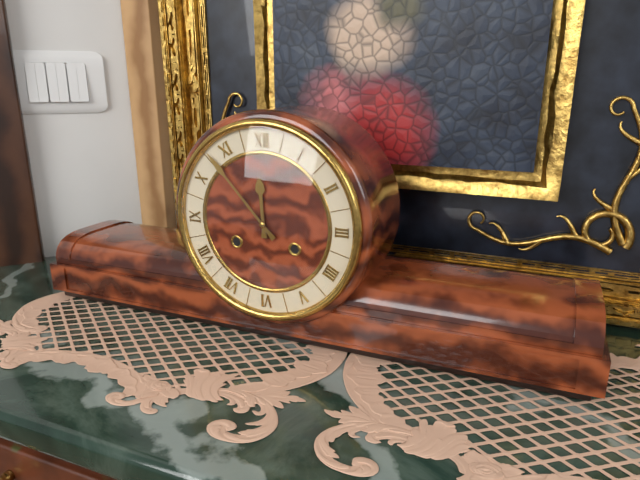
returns 11,53
